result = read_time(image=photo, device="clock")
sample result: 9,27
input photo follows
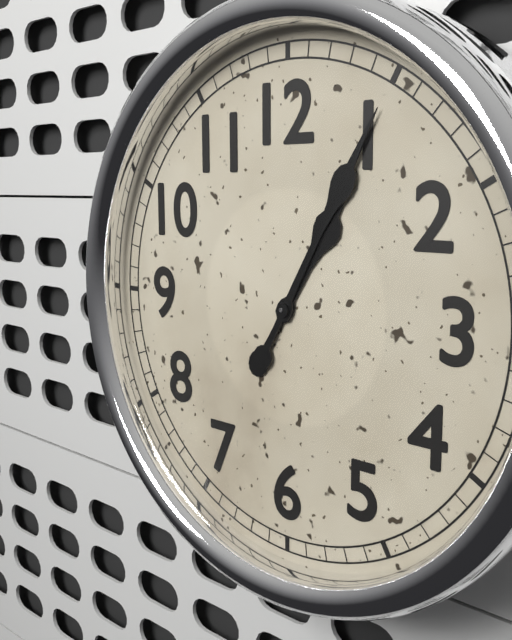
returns 1,05
